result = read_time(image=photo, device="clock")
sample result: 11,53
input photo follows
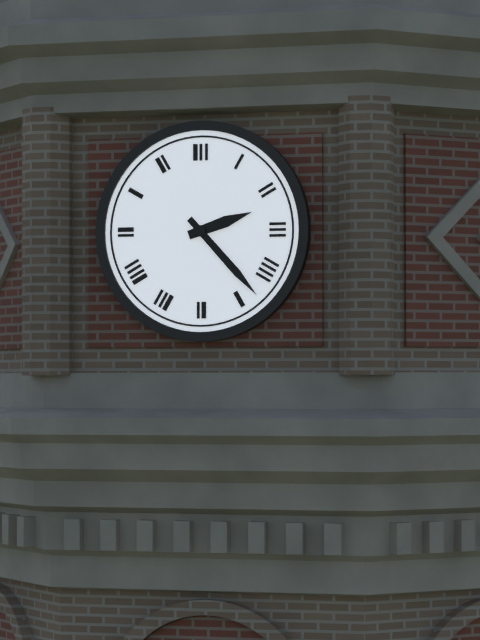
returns 2,23
